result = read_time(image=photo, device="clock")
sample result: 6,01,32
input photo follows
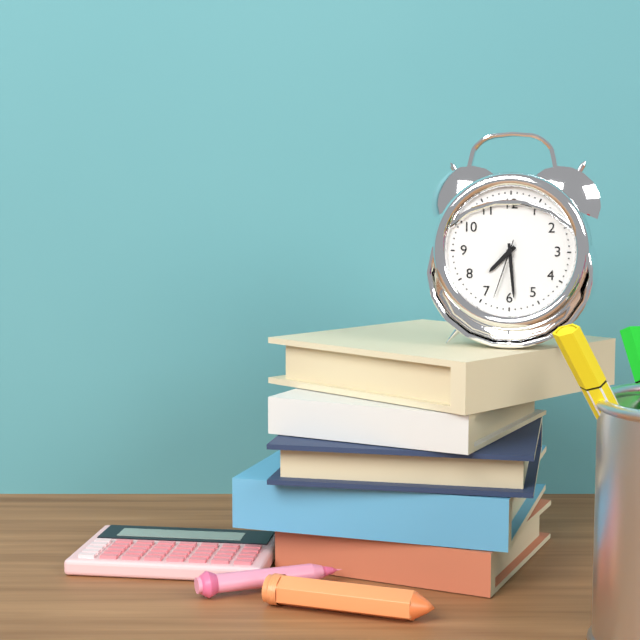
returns 7,29,33
